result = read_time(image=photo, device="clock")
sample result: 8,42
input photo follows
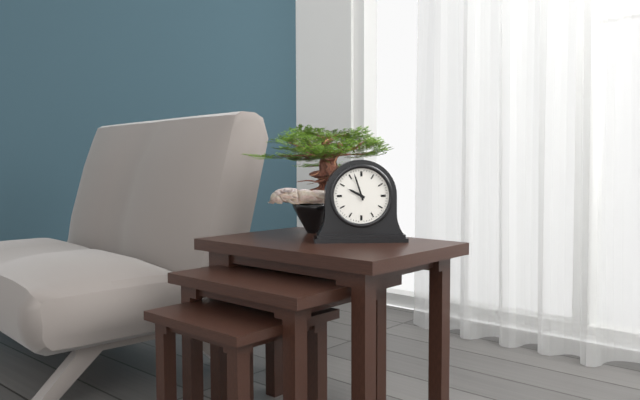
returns 9,57
